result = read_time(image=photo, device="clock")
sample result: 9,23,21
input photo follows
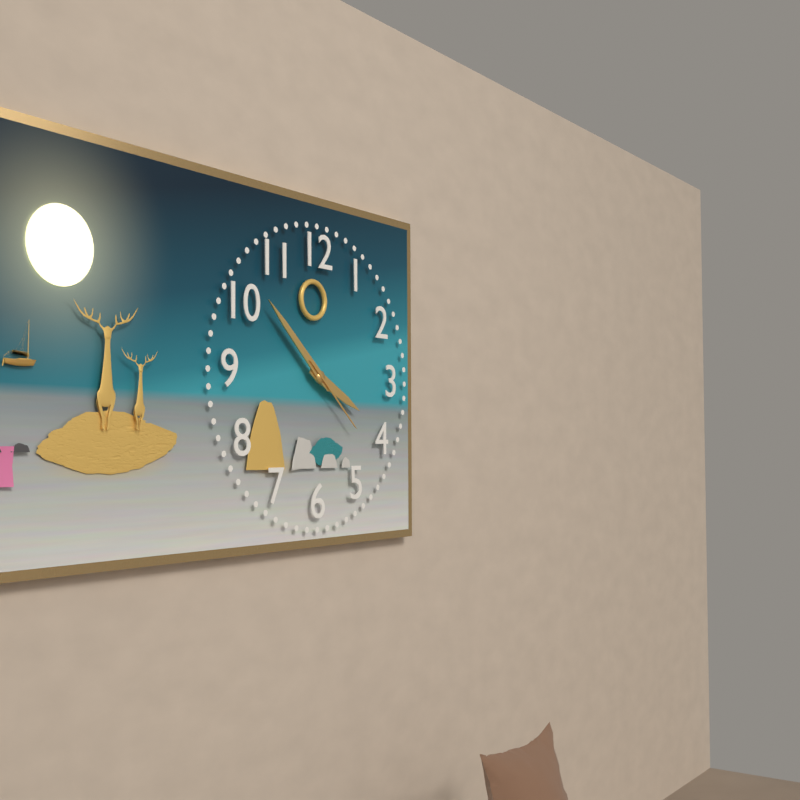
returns 3,52,22
